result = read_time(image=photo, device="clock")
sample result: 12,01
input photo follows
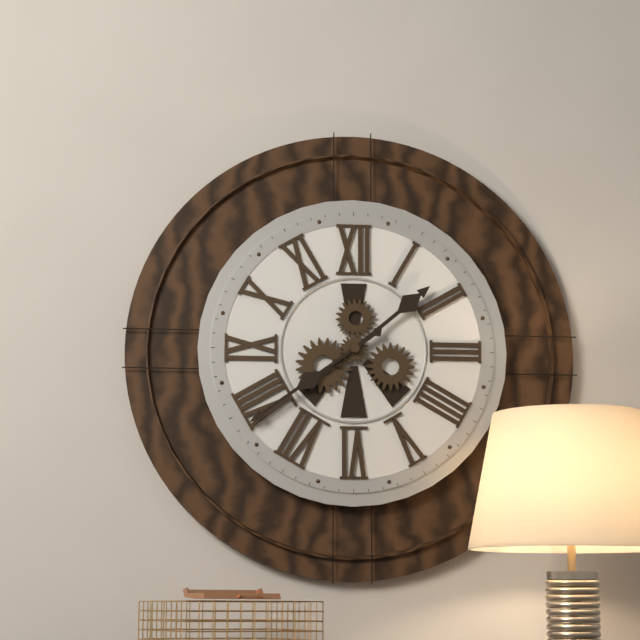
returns 1,39
